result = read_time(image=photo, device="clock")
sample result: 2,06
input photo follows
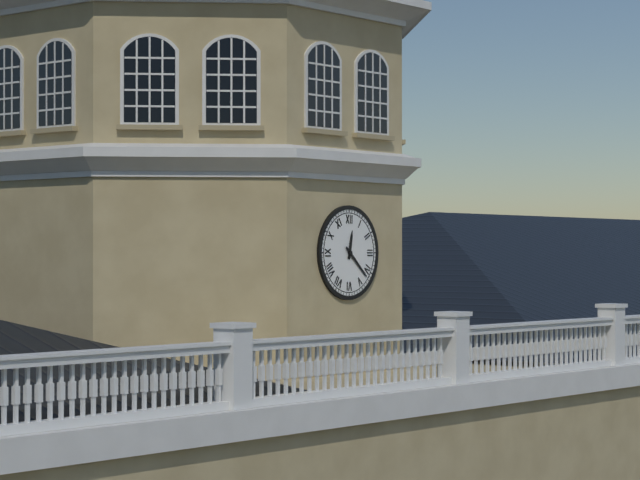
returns 12,22
